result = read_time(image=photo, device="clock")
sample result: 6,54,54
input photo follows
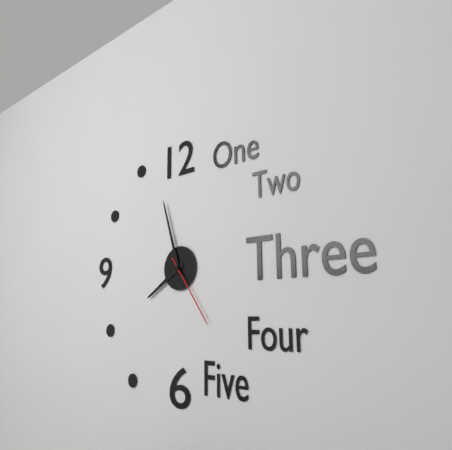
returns 7,57,24
